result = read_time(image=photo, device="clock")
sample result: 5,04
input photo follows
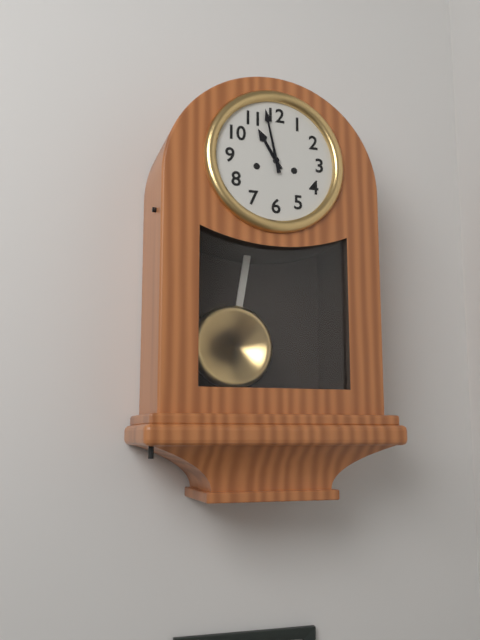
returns 10,58
